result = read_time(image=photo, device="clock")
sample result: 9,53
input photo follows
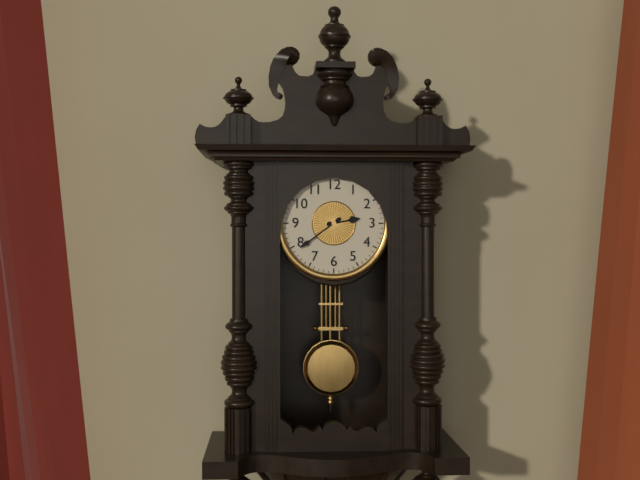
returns 2,39
